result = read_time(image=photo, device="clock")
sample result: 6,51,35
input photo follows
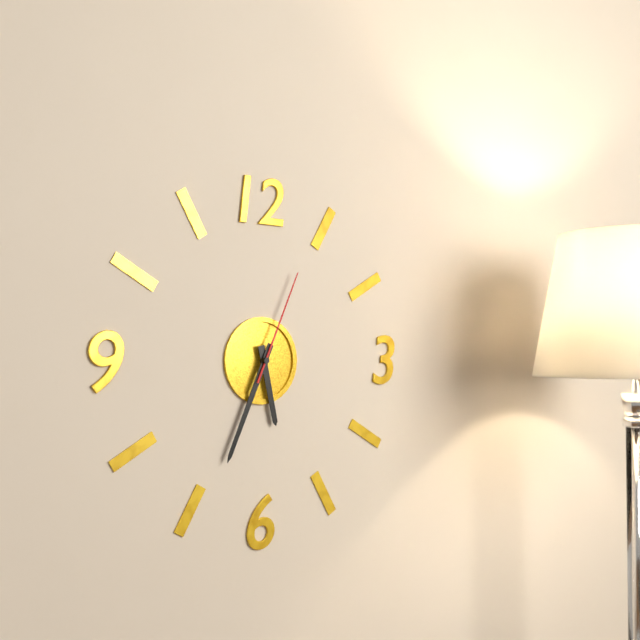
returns 5,34,04
